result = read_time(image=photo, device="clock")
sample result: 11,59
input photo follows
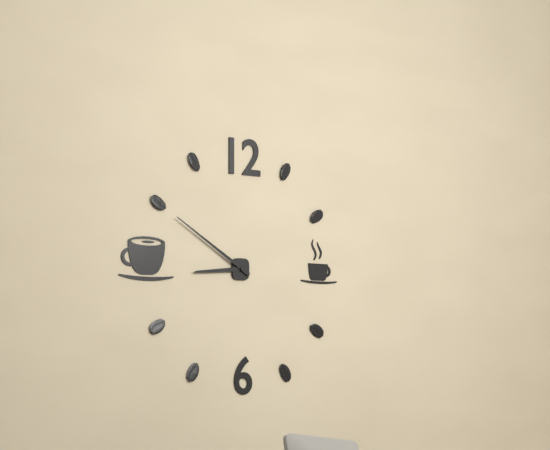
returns 8,50
